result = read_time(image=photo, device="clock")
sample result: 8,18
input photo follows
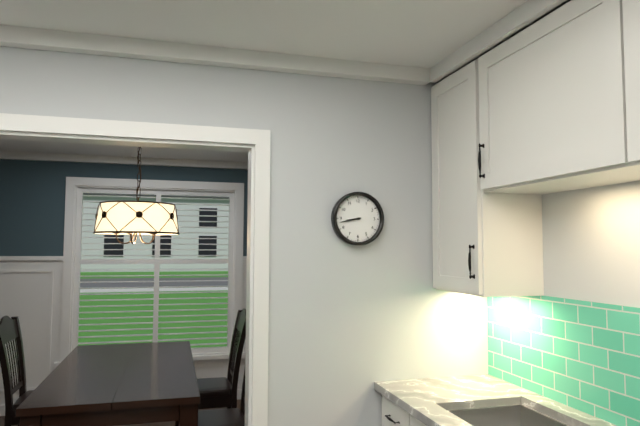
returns 8,43
